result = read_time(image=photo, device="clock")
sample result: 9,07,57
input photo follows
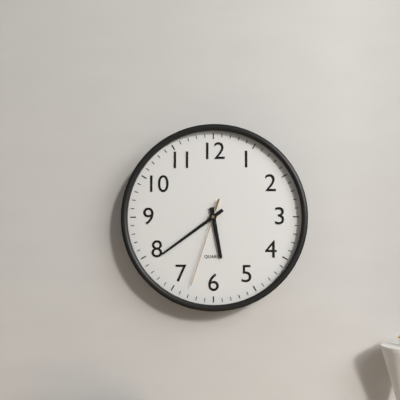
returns 5,39,33
